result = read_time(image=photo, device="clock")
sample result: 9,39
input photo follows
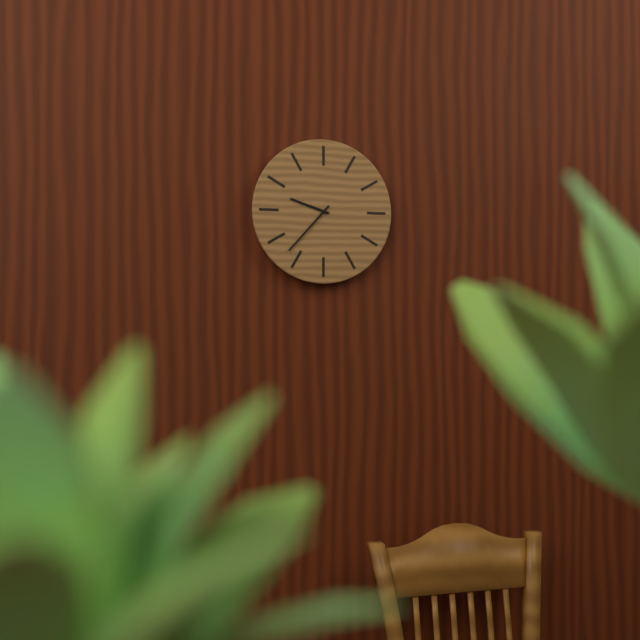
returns 9,37
